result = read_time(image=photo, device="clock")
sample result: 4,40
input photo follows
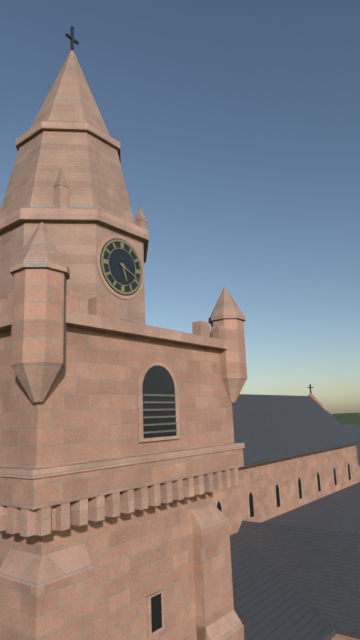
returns 5,19
